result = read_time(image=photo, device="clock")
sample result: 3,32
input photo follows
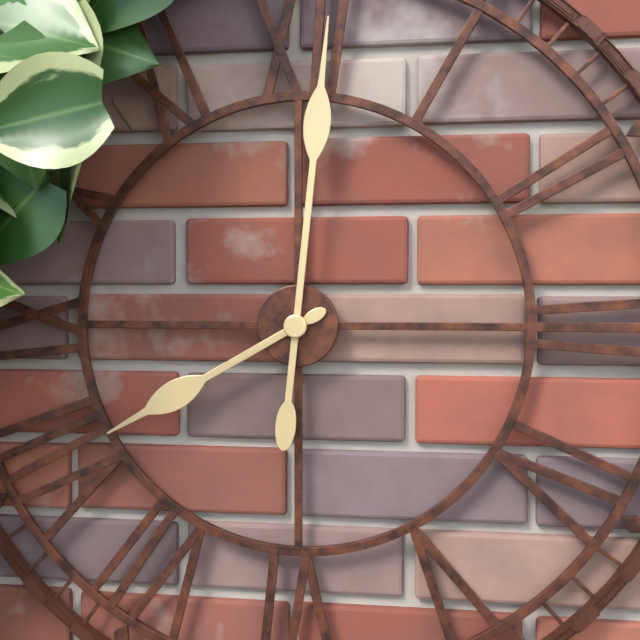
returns 8,01
